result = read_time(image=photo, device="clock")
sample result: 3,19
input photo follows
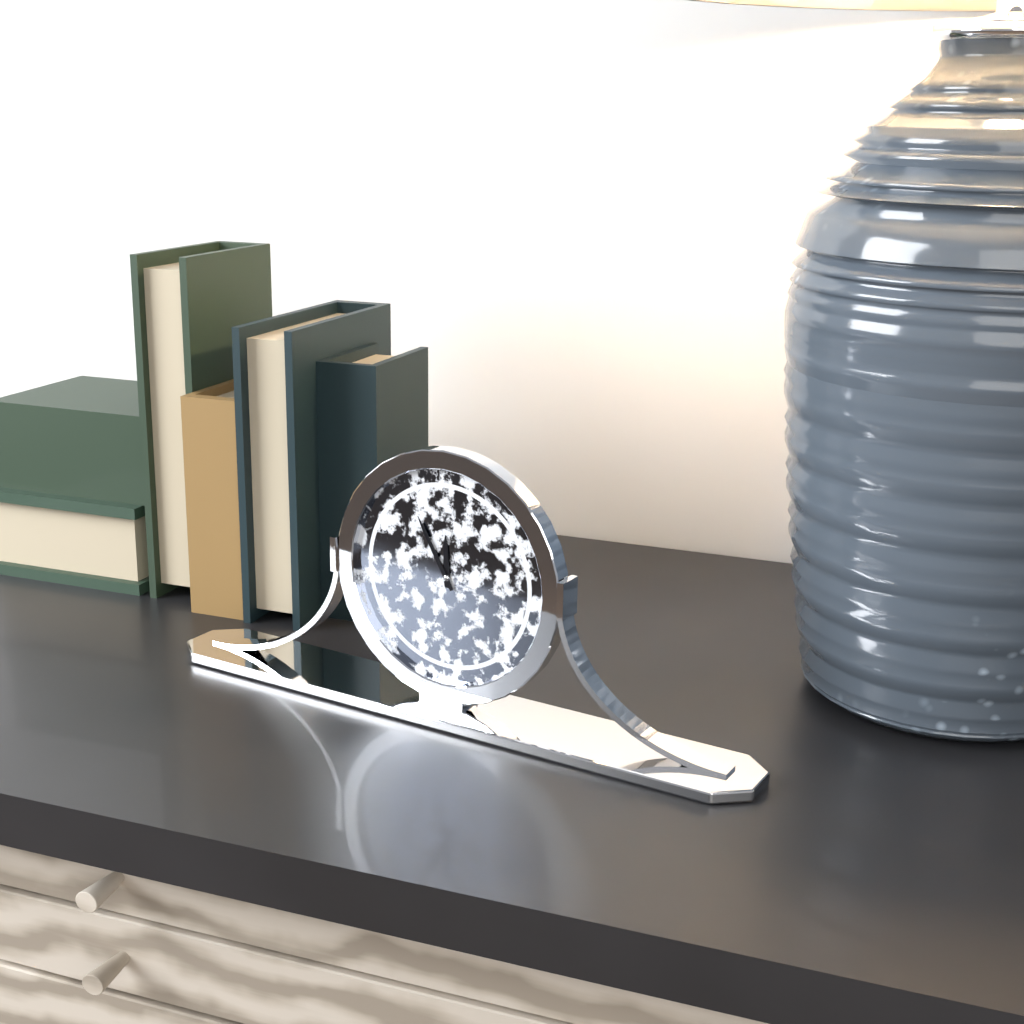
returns 11,55
